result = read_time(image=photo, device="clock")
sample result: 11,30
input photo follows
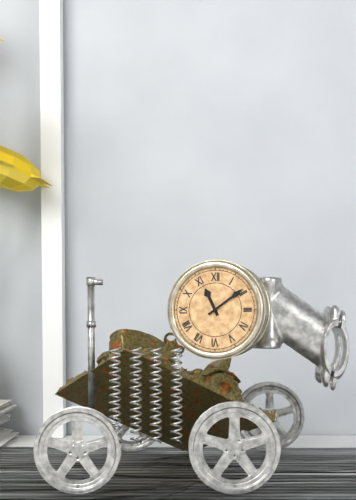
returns 11,09
